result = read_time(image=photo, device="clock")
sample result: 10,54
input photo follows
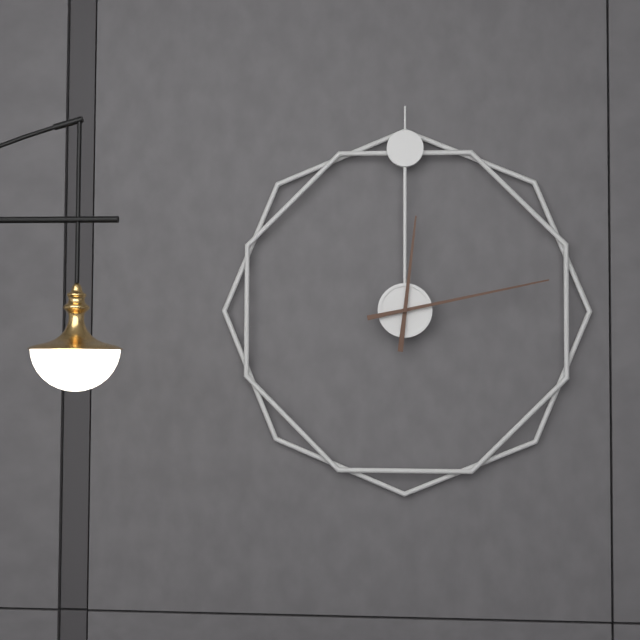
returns 12,13
